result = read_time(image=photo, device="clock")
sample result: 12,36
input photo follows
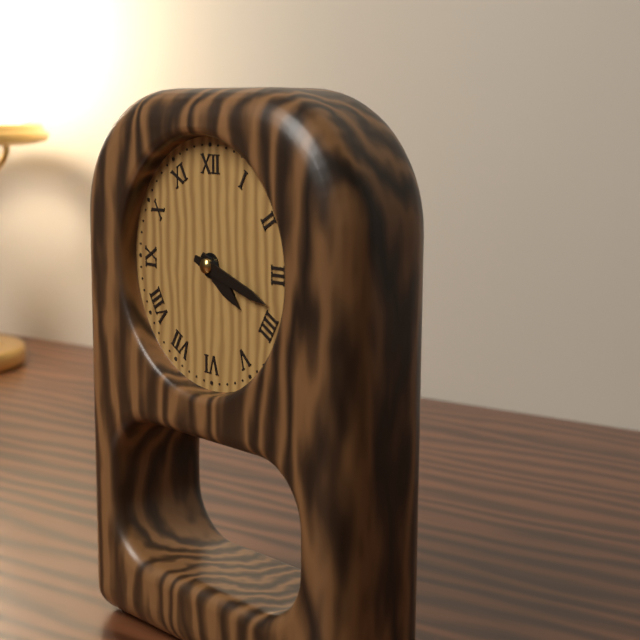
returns 4,18
